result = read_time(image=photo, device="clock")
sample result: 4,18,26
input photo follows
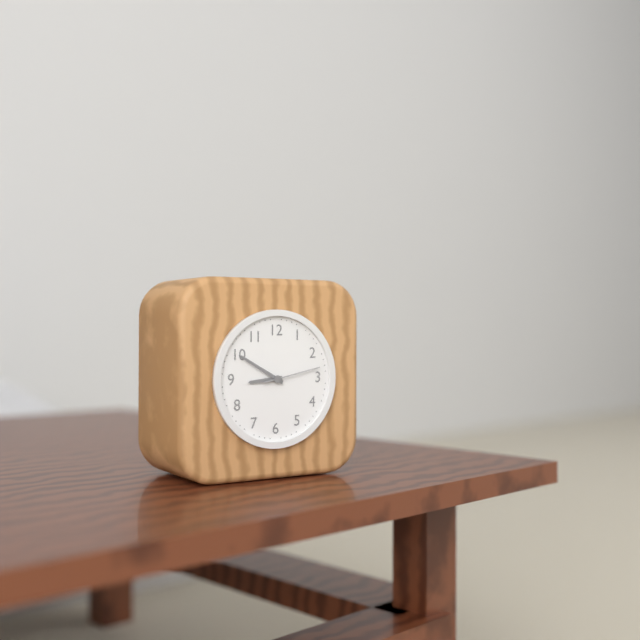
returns 8,50,13
